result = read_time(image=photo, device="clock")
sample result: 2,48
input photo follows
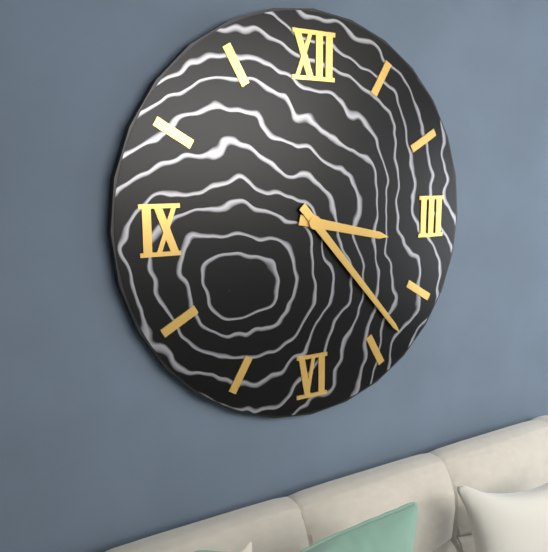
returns 3,23
